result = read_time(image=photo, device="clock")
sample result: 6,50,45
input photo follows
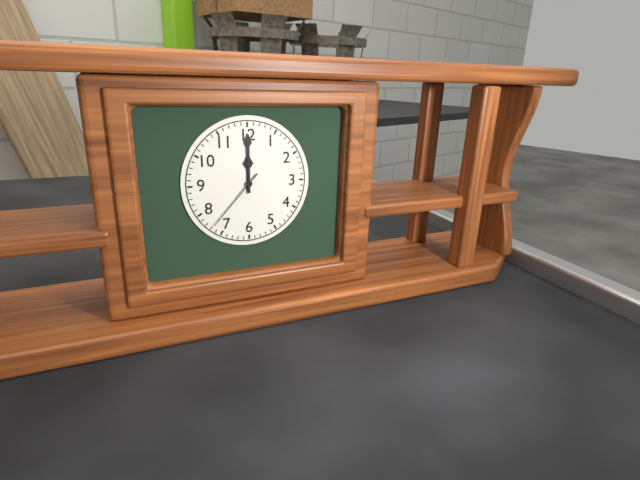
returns 12,00,37
